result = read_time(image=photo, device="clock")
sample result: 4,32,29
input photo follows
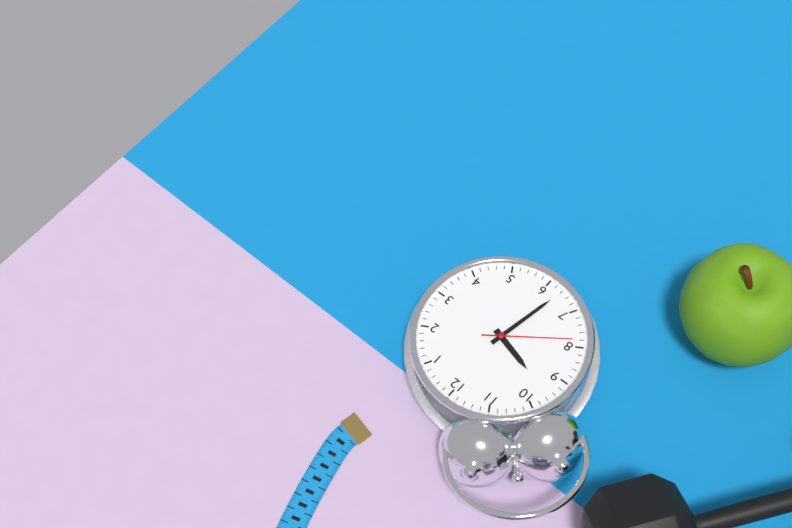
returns 9,32,39
